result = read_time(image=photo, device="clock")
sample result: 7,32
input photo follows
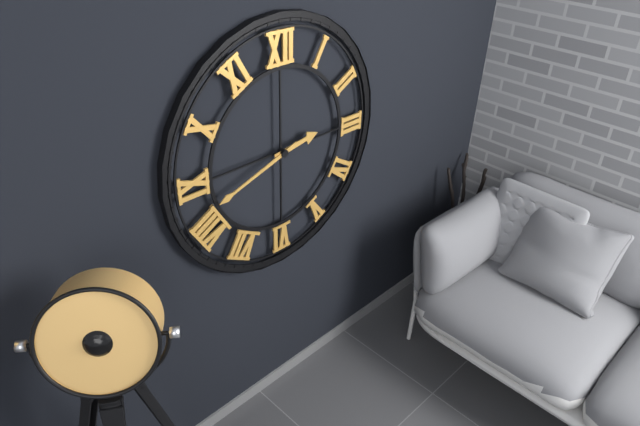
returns 2,42
